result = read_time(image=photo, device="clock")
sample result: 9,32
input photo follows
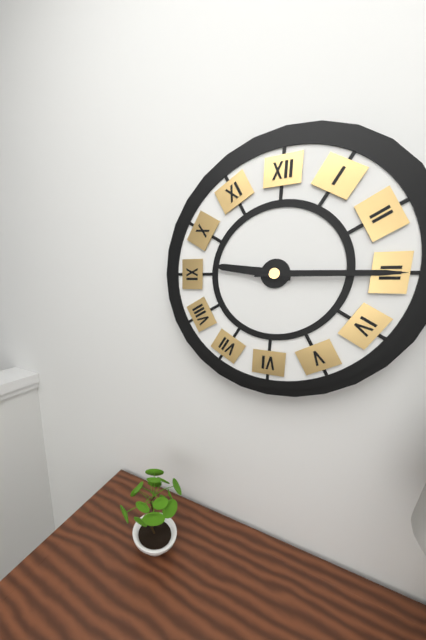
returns 9,15
